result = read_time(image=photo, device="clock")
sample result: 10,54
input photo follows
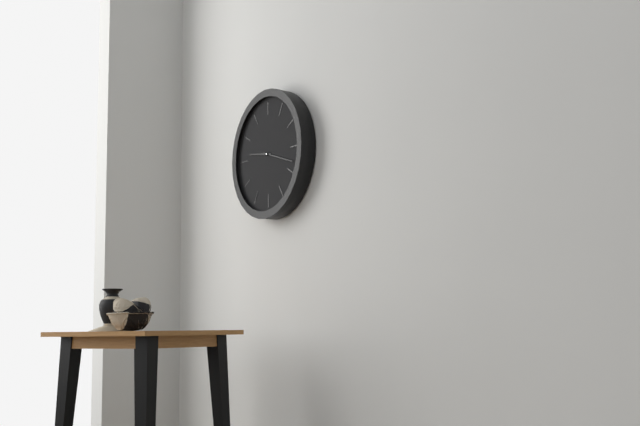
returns 9,18
